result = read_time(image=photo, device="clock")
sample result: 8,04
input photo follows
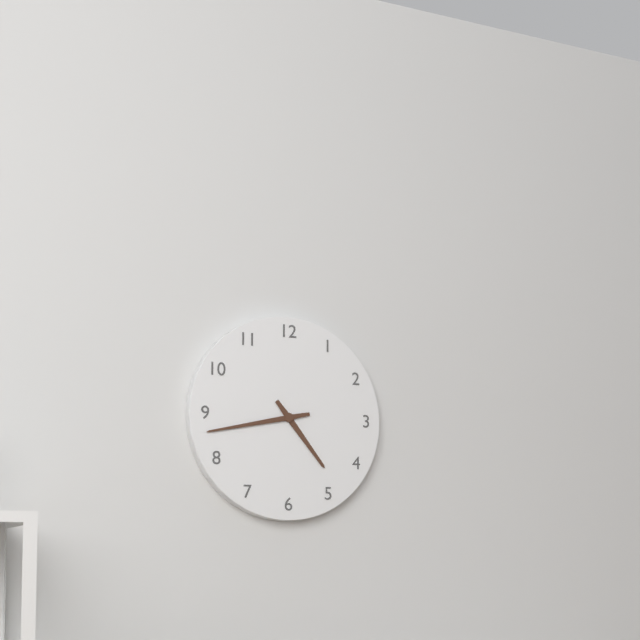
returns 4,43
